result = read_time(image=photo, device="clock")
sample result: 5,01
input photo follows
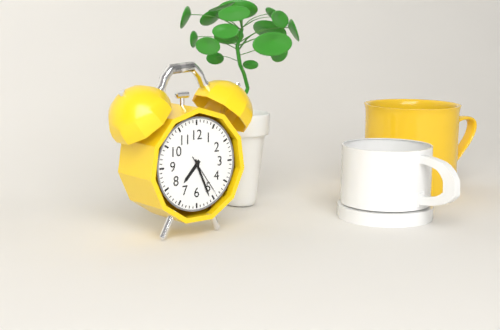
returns 7,26
